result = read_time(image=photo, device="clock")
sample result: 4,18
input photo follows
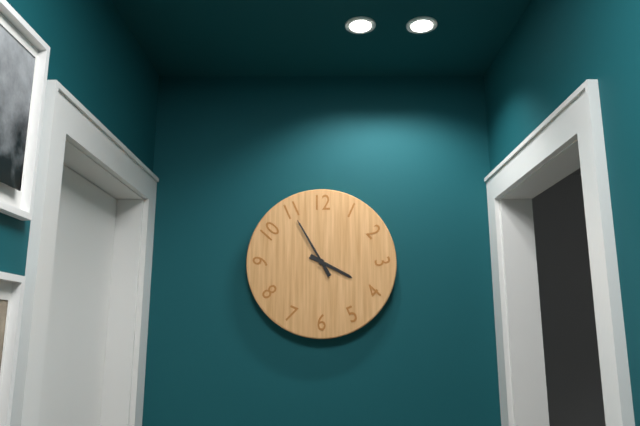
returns 3,55
